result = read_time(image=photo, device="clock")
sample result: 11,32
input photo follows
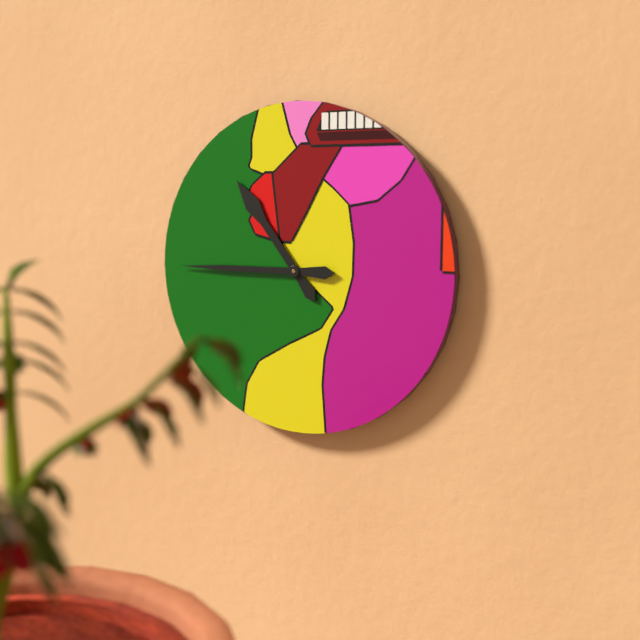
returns 10,45
